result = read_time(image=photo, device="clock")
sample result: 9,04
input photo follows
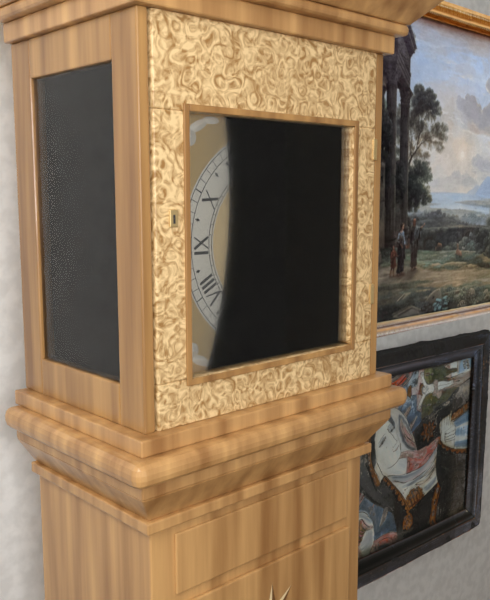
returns 5,34
